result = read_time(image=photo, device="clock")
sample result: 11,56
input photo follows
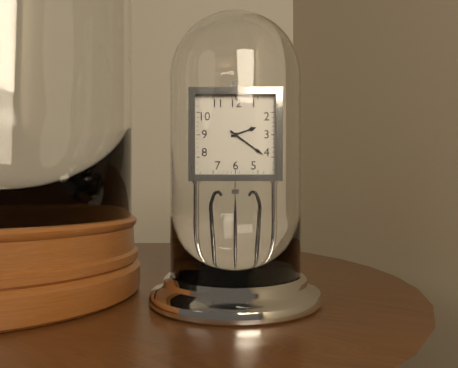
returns 2,21
